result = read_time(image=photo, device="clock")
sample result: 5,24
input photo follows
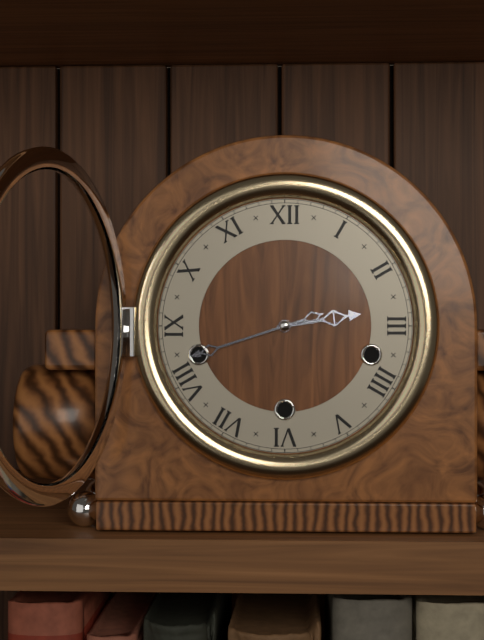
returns 2,42
